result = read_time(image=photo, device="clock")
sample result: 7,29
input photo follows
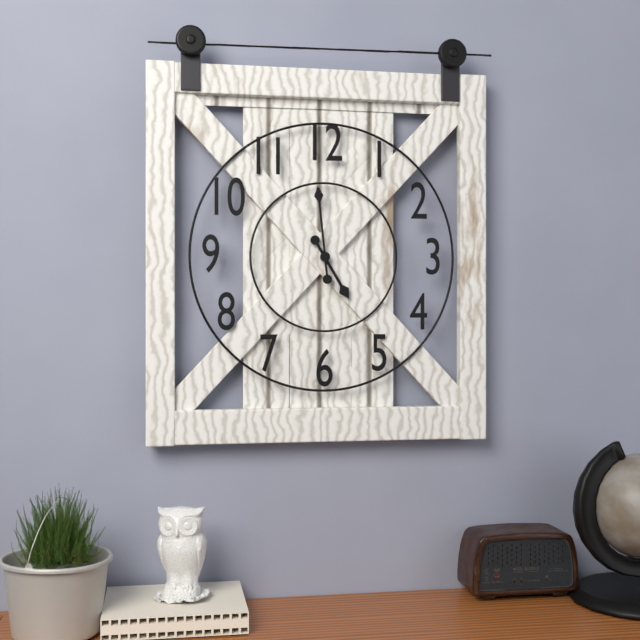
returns 4,59
